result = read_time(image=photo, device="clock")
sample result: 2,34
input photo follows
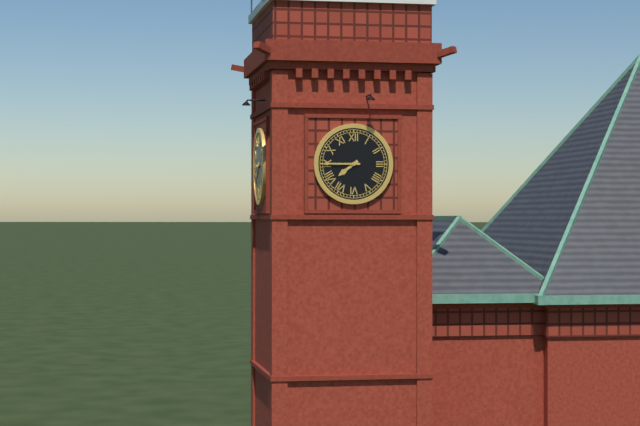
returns 7,45
